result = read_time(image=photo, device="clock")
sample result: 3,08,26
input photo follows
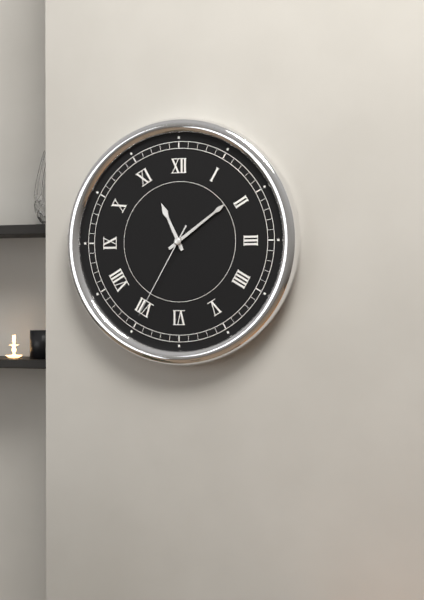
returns 11,09,35
